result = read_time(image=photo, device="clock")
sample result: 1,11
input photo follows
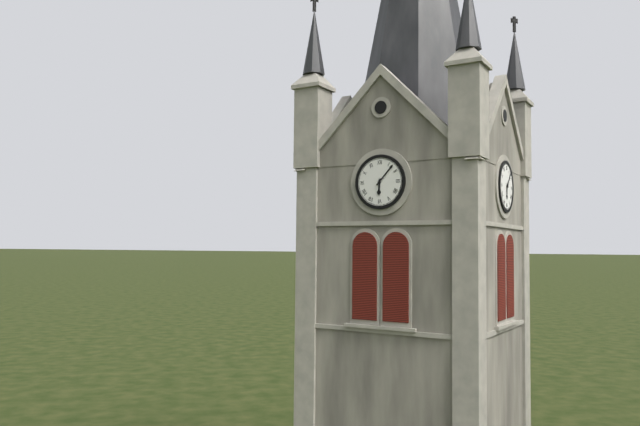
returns 6,07
